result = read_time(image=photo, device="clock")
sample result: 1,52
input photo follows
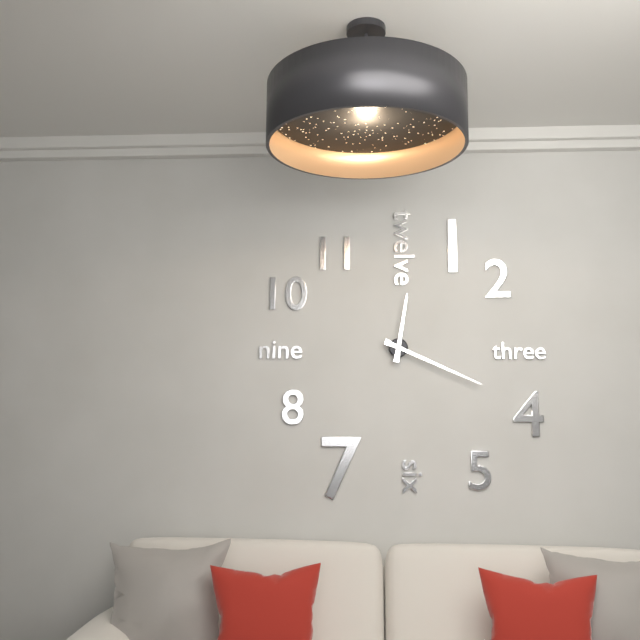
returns 12,19
